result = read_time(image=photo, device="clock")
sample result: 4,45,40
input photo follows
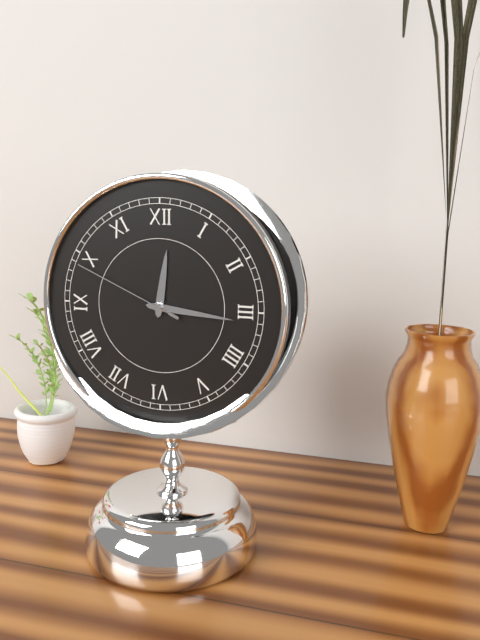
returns 12,16,49
